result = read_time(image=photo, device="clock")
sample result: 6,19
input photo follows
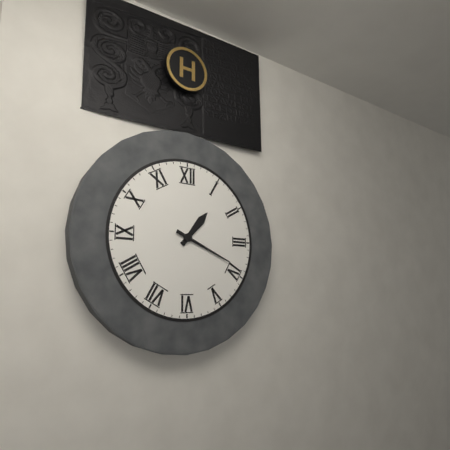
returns 1,19
